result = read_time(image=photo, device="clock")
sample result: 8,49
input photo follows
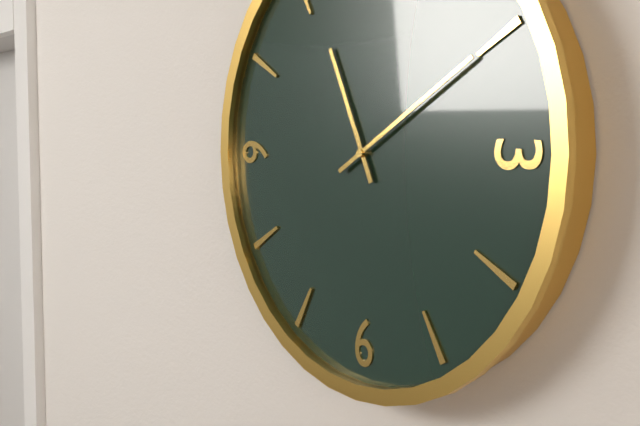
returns 11,10
